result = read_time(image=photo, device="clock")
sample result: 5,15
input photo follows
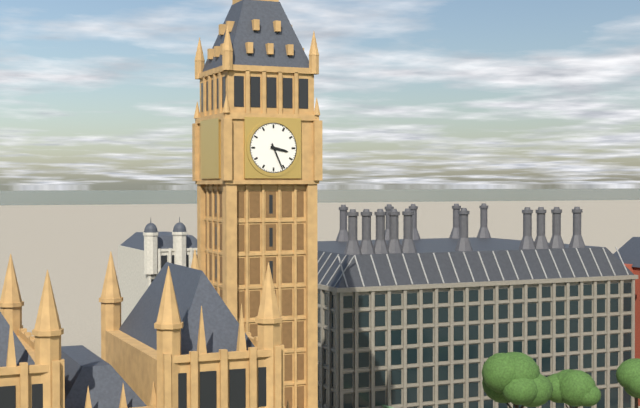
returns 3,26
